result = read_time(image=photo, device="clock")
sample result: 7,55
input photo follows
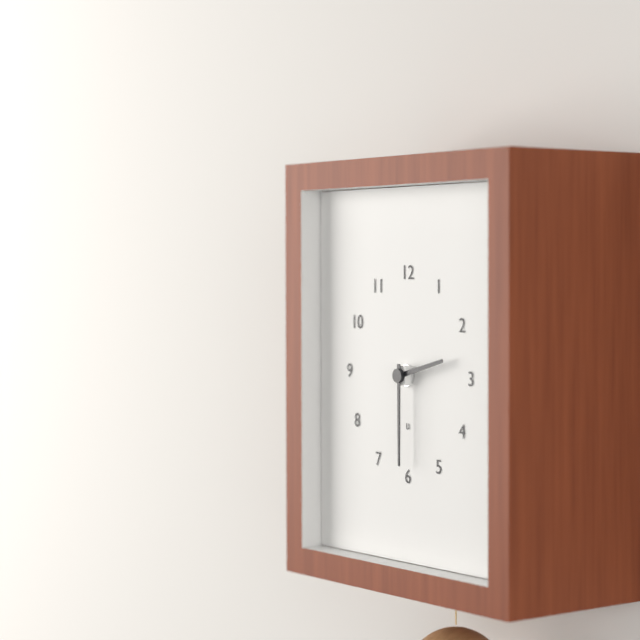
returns 2,30
